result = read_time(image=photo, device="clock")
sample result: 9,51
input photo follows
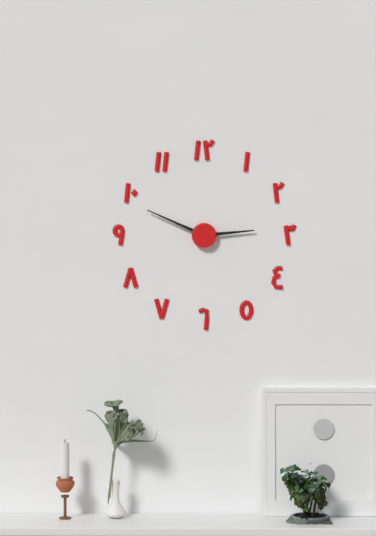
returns 2,49
